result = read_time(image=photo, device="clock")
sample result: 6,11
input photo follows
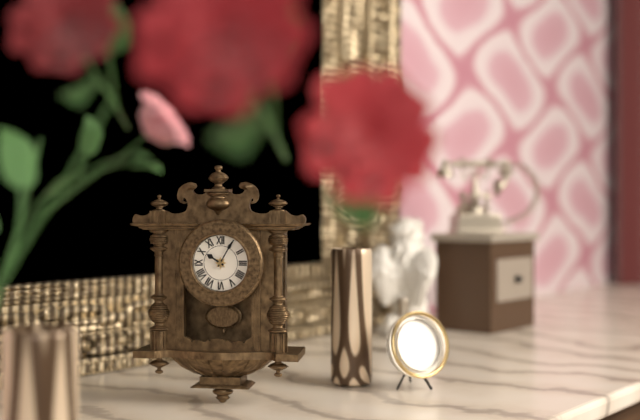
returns 10,05
